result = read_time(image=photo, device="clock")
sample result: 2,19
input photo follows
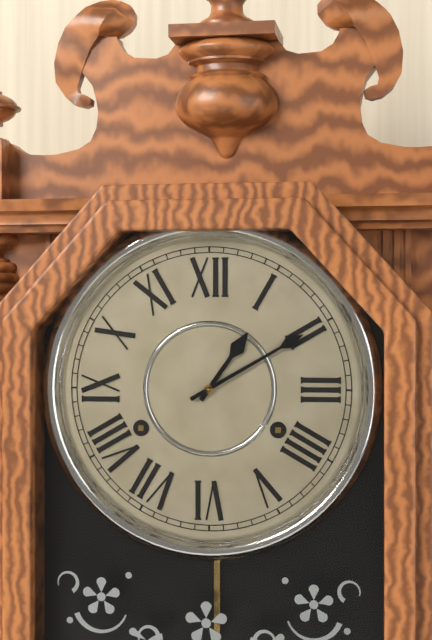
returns 1,10
